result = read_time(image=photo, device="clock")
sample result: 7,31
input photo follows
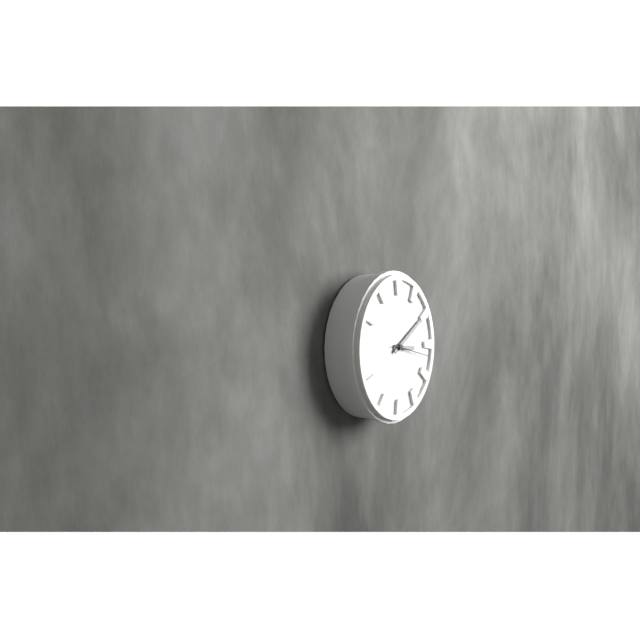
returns 3,10
